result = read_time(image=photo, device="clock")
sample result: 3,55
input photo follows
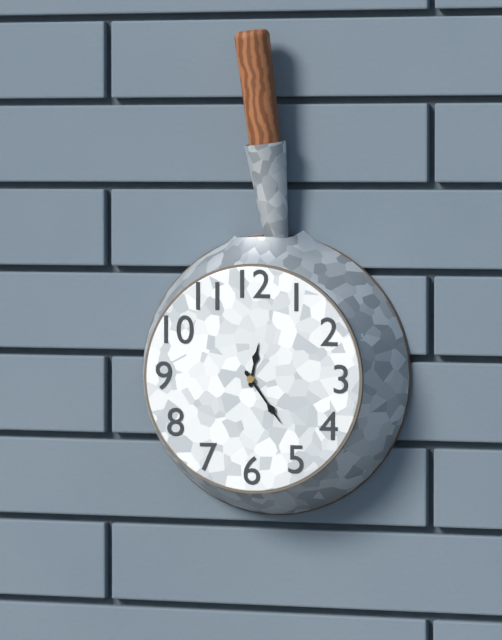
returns 12,24
